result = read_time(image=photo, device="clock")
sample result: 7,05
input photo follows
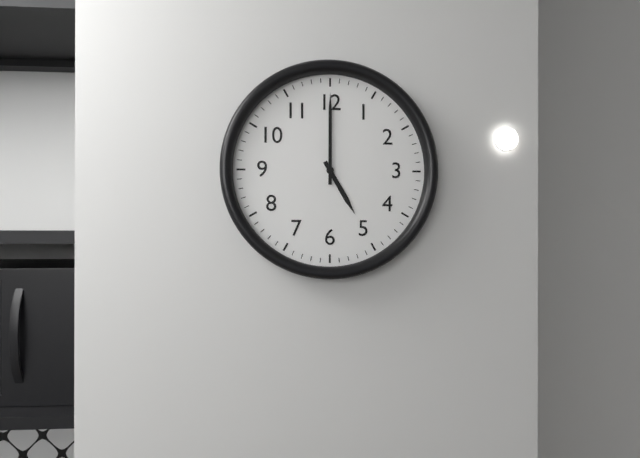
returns 5,00
